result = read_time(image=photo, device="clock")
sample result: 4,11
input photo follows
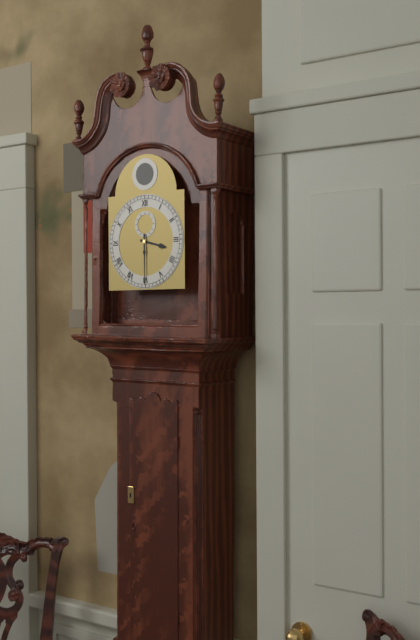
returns 3,30
